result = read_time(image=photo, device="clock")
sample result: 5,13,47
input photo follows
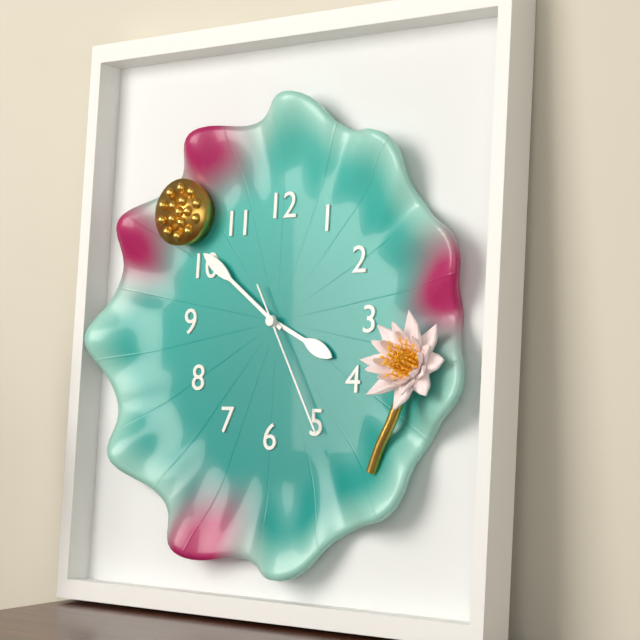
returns 3,51,25
